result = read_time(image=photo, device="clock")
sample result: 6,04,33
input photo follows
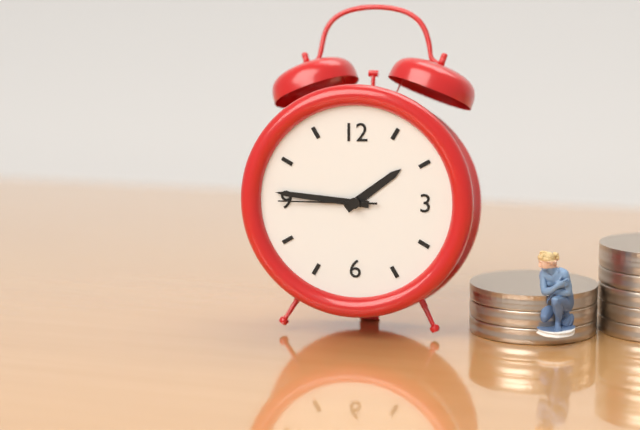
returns 1,46,45
